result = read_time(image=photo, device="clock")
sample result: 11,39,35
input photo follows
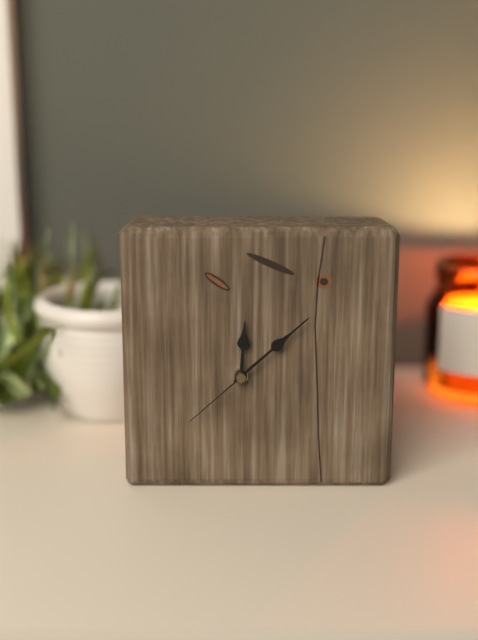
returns 12,08,38
